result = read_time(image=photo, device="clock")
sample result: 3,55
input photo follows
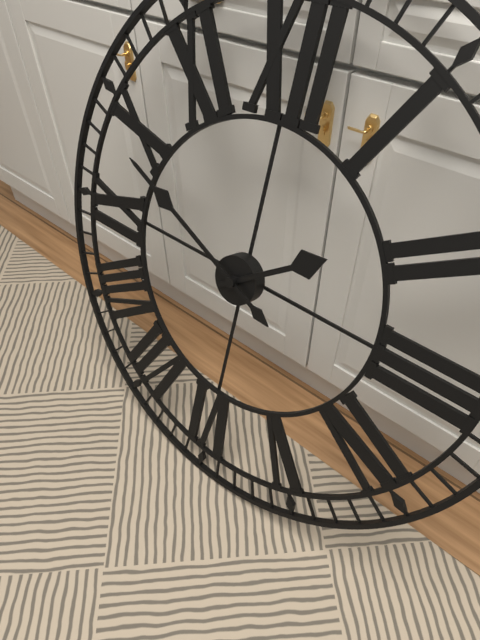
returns 1,49
